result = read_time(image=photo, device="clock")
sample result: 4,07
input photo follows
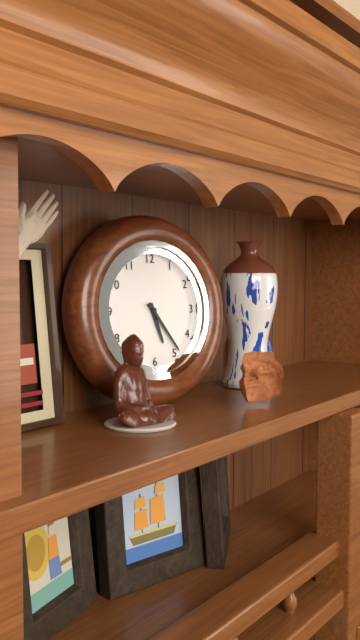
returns 5,24
